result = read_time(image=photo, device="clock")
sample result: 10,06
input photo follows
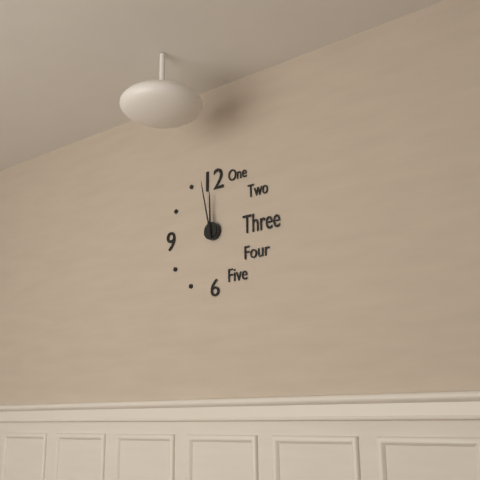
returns 11,58
